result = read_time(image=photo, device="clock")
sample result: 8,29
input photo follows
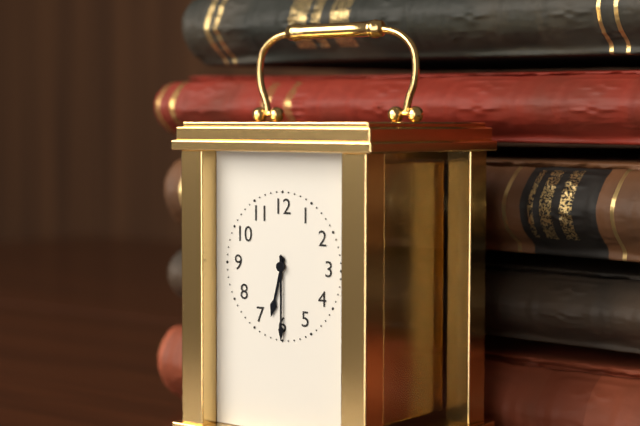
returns 6,30
